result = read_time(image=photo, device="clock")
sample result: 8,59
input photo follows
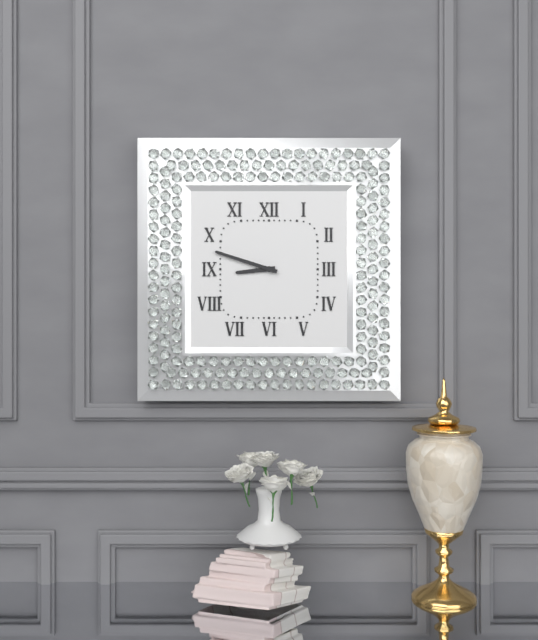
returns 8,48
